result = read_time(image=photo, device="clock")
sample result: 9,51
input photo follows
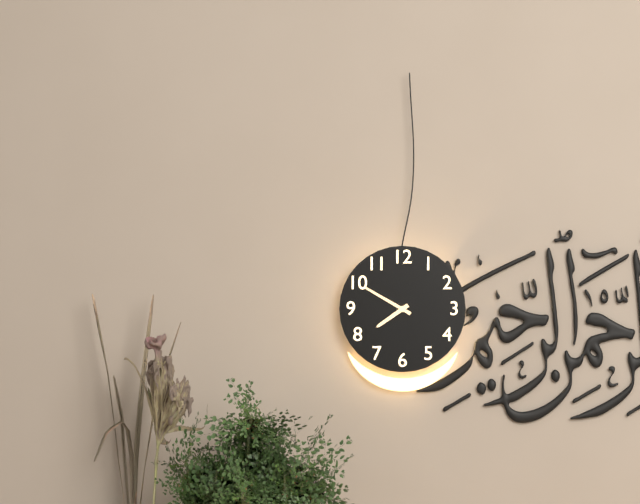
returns 7,50
